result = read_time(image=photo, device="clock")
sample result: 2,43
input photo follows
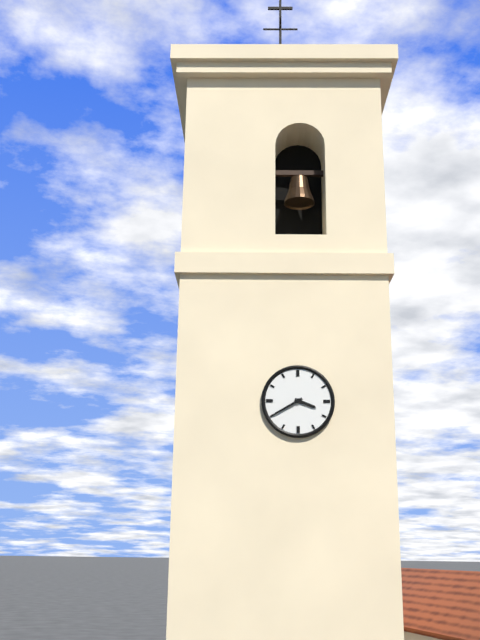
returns 3,40
